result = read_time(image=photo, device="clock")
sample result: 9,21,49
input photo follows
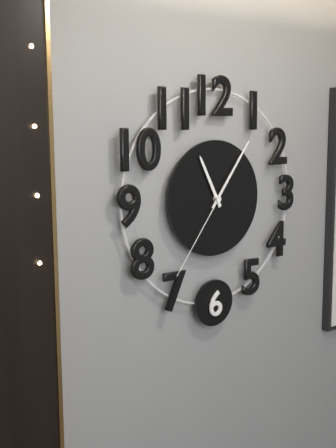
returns 11,06,36
